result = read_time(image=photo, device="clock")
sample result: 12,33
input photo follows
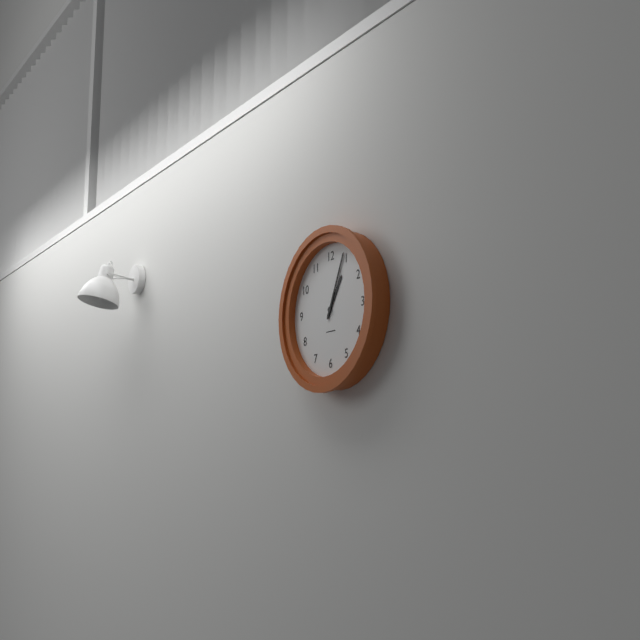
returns 1,04
